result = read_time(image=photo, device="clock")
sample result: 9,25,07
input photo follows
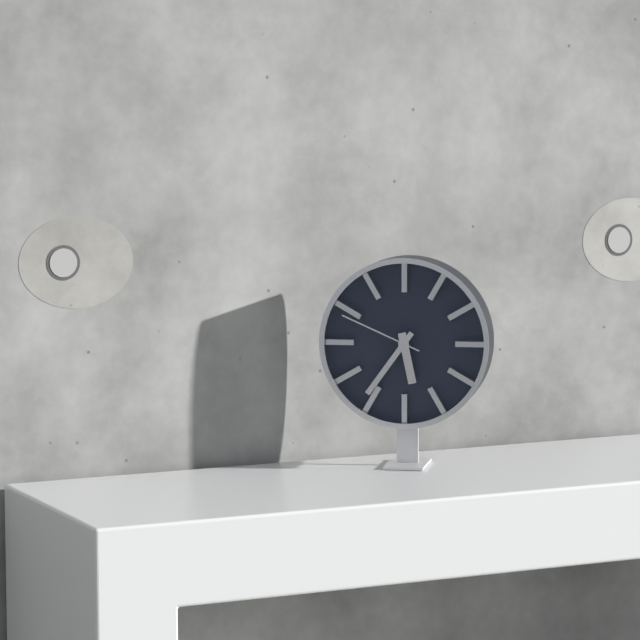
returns 5,36,49
